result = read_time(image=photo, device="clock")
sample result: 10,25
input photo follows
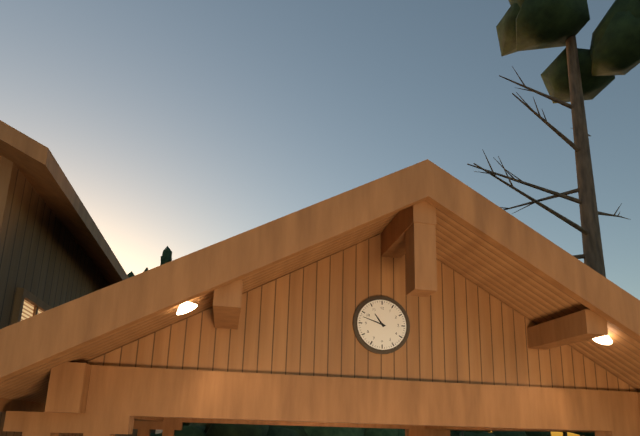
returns 10,48
